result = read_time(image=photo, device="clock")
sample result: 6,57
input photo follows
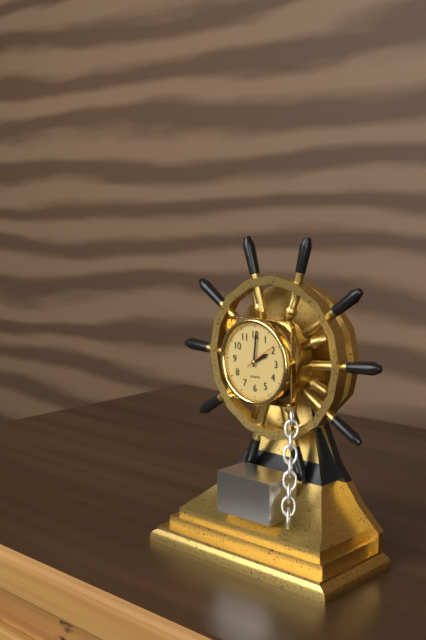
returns 2,01
